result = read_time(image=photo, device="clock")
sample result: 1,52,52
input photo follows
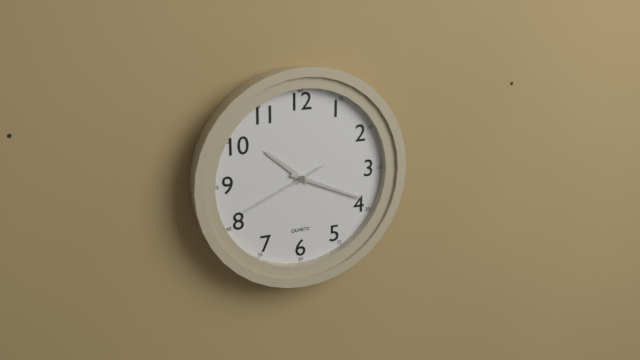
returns 10,19,41
